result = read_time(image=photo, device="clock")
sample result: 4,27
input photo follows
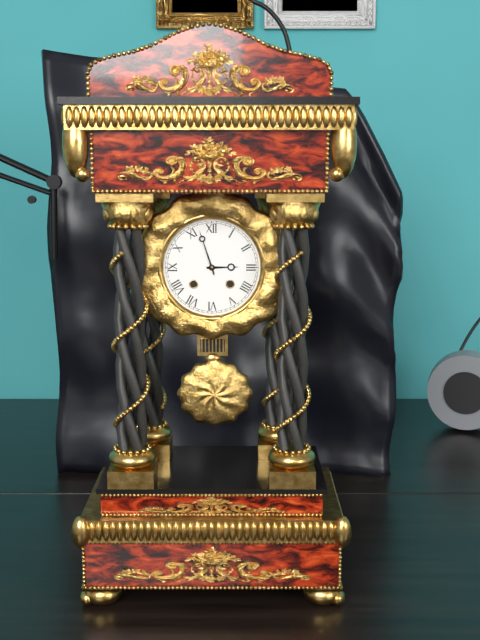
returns 2,57
